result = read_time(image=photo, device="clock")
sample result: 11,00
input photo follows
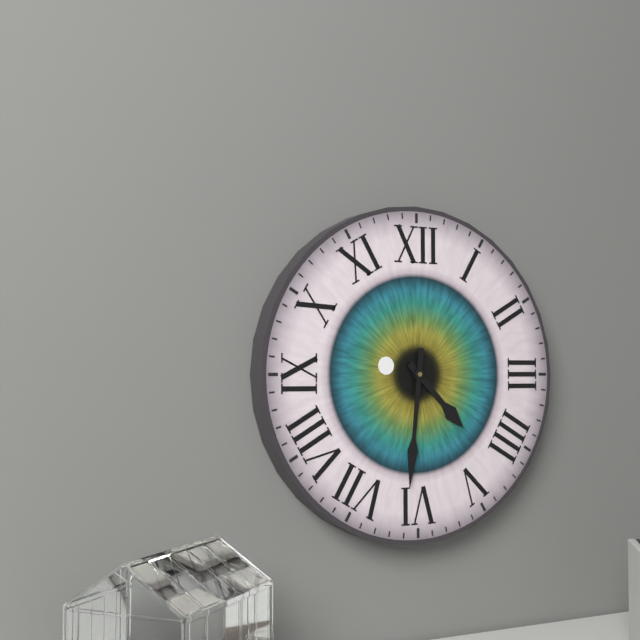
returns 4,31
